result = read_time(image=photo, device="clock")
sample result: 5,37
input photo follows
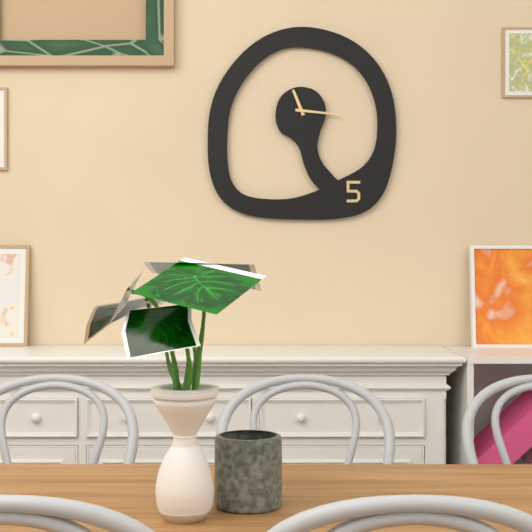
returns 11,16
